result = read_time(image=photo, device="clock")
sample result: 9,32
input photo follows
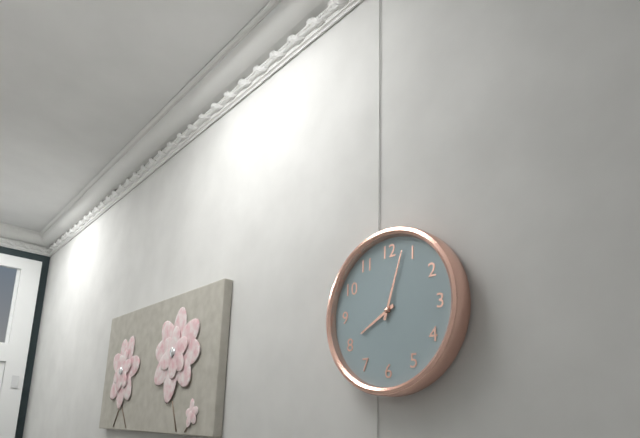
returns 8,03
